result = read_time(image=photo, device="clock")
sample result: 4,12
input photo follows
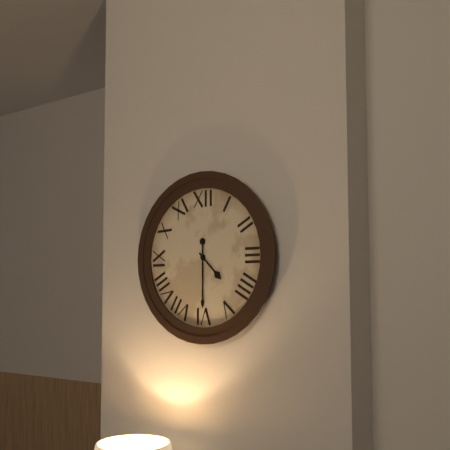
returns 4,30
